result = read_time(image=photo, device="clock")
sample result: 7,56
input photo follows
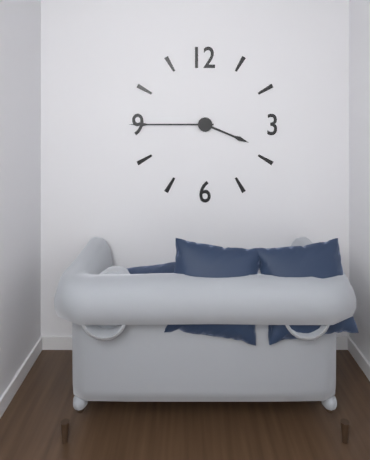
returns 3,45
